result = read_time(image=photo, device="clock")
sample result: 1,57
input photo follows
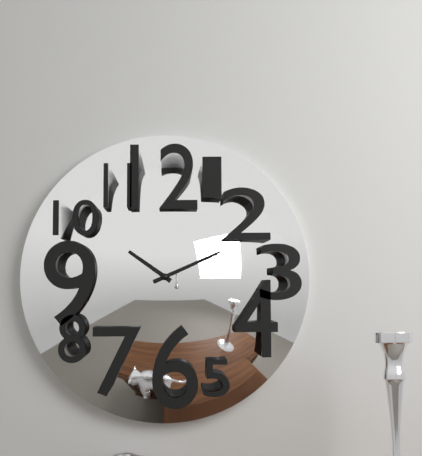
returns 10,11
